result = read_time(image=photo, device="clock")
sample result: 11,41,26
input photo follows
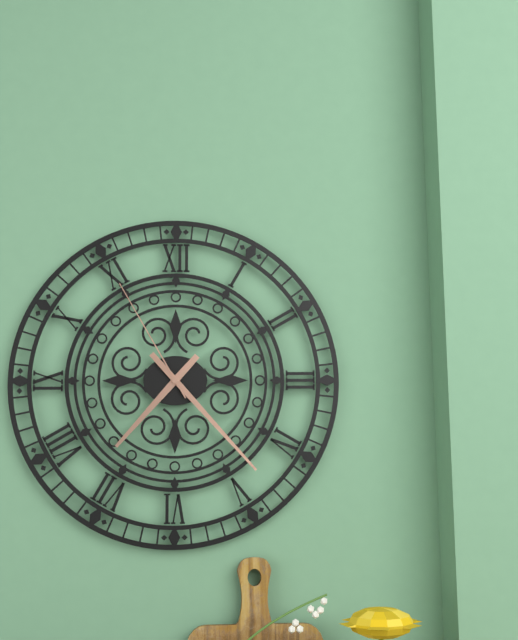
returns 7,23,55
